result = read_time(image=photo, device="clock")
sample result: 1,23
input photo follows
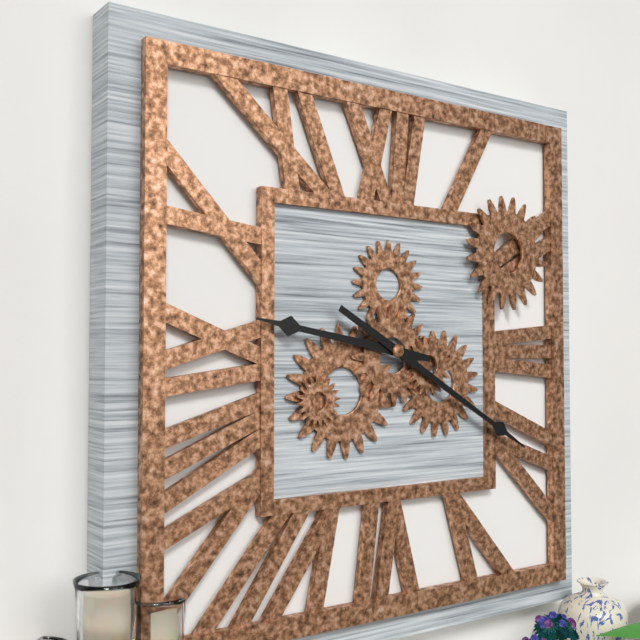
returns 9,20
